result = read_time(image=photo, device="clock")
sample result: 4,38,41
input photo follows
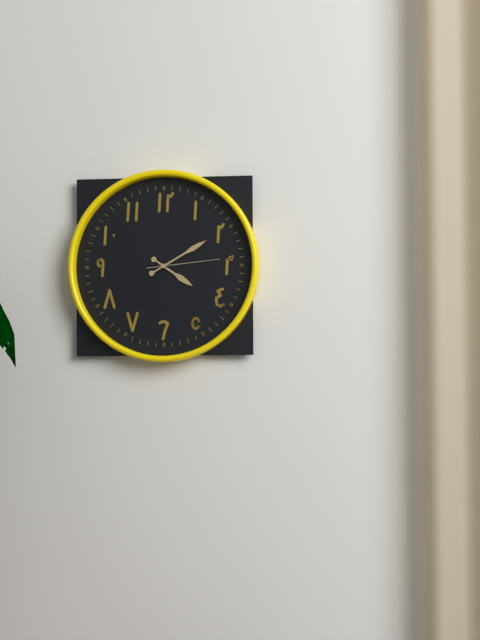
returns 4,10,14
